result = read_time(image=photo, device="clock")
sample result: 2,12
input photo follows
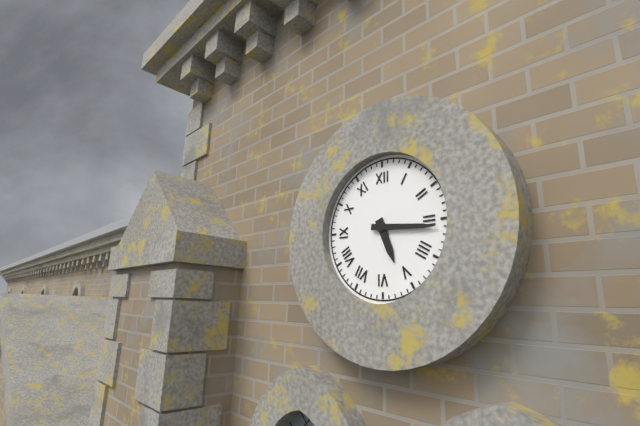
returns 5,16
